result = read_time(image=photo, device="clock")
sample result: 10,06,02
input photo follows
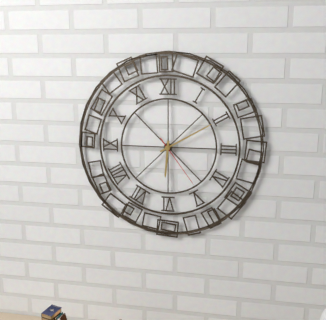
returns 6,10,24
